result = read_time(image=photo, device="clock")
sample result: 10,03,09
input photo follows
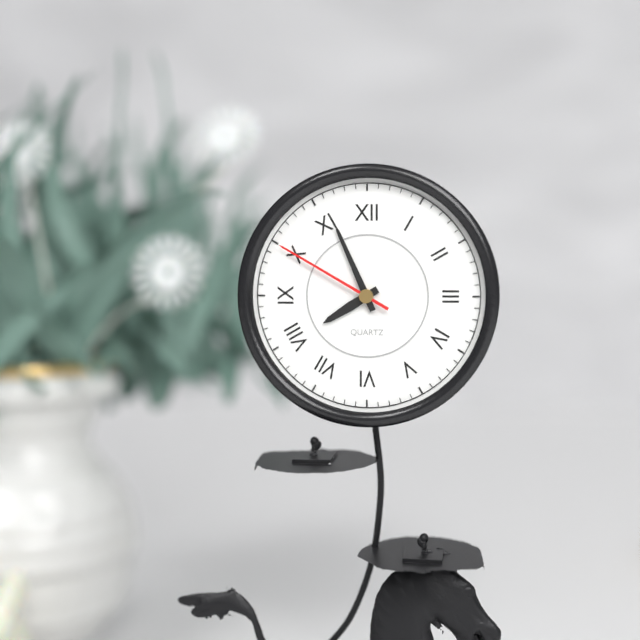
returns 7,56,50
